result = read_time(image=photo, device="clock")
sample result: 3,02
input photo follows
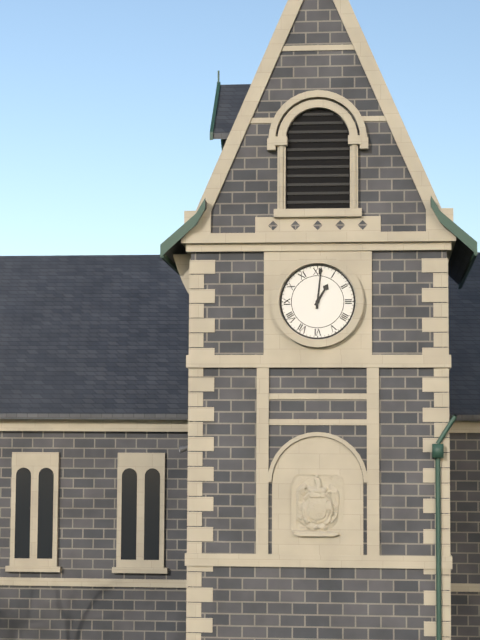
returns 1,01
